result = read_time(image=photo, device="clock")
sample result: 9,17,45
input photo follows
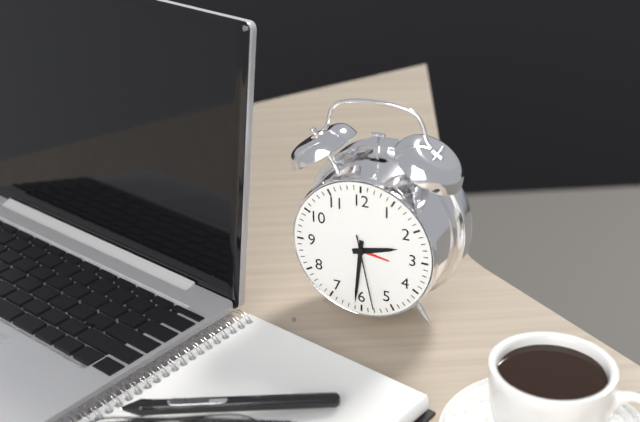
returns 2,31,28
